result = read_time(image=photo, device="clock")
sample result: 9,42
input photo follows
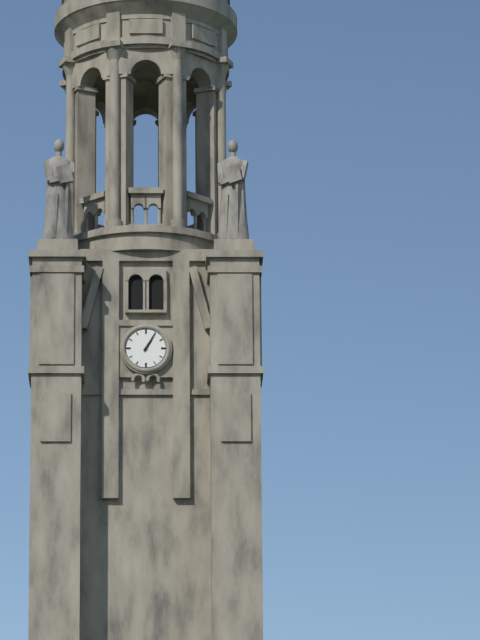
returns 1,05
